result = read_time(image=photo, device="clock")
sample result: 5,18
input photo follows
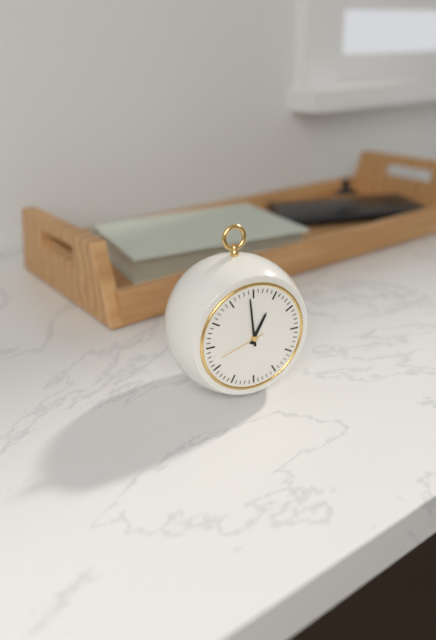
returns 12,59
